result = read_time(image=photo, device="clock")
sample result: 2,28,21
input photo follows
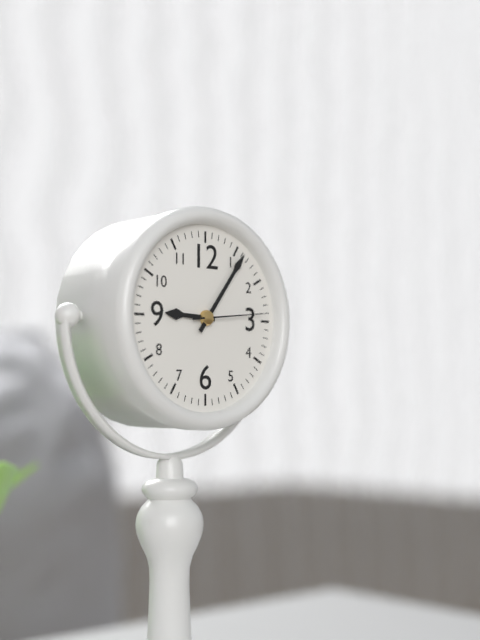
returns 9,06,14
